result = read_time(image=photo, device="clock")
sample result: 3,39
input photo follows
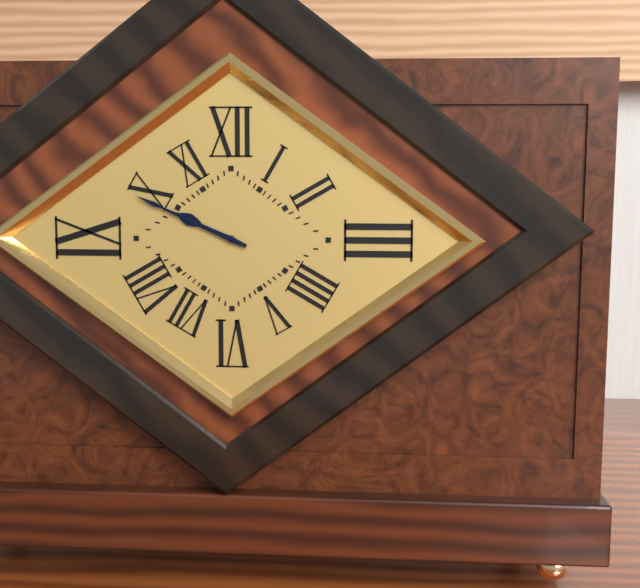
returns 9,49
